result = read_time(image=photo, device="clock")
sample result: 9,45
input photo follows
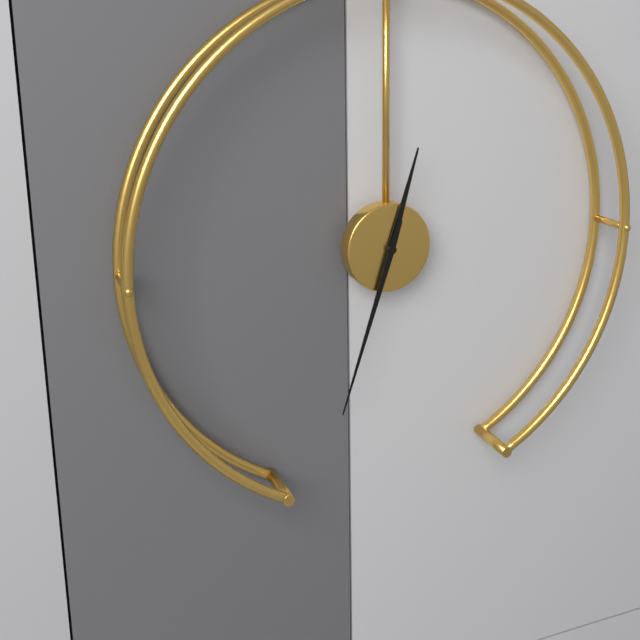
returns 12,33
